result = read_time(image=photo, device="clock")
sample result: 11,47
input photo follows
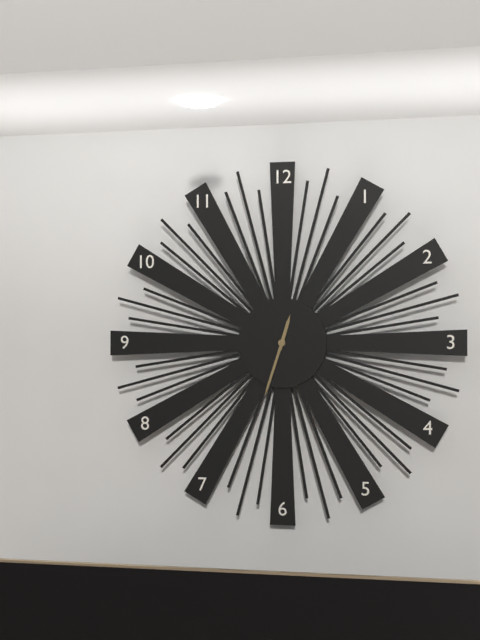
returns 12,33
